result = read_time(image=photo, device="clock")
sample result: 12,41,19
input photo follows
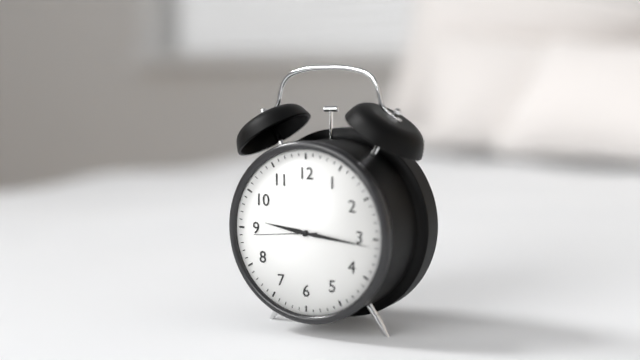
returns 9,16,44
